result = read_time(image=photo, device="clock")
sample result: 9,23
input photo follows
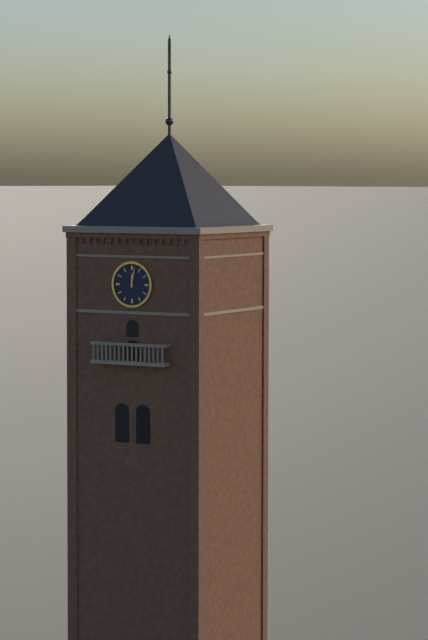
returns 12,02
